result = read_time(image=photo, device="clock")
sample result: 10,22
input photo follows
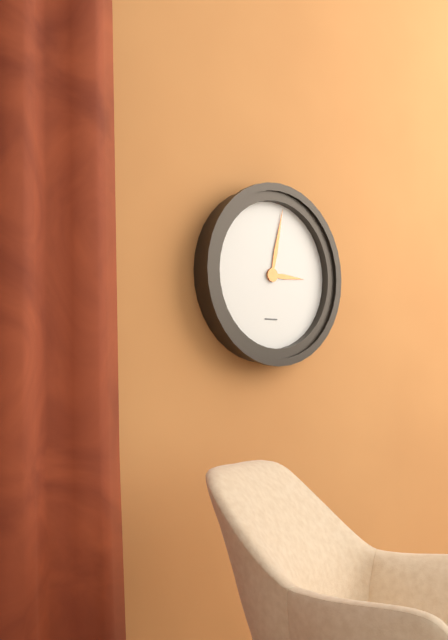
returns 3,02
